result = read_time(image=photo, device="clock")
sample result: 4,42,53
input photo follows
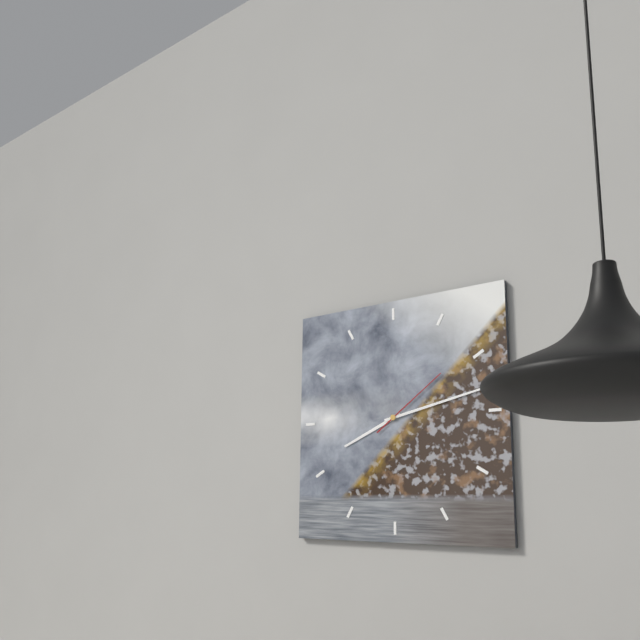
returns 8,13,09
